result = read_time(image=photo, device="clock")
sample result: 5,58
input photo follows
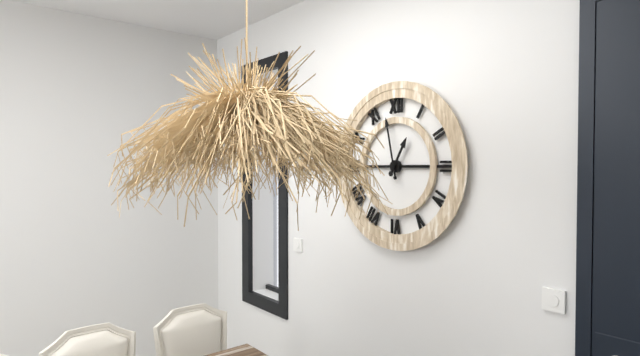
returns 12,58
